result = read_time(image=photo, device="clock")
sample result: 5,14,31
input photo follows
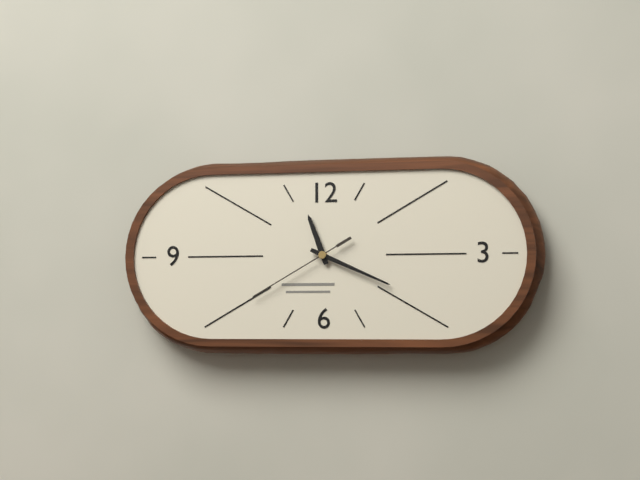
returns 11,19,40
